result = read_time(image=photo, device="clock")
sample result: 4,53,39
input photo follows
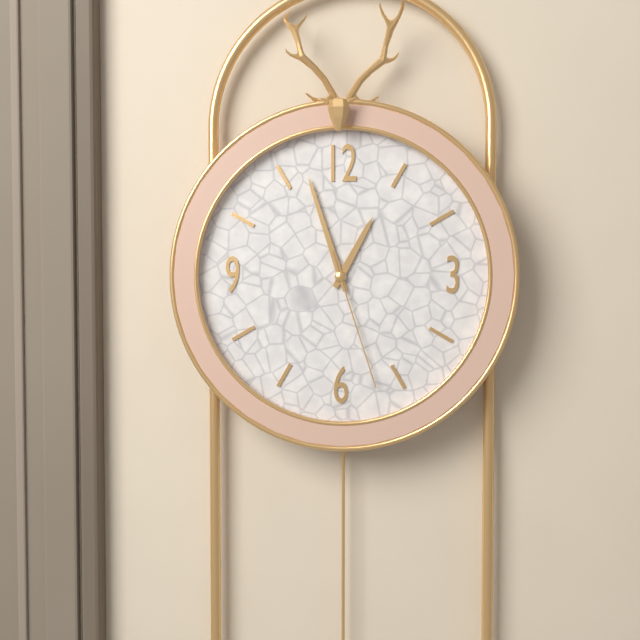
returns 12,57,27
